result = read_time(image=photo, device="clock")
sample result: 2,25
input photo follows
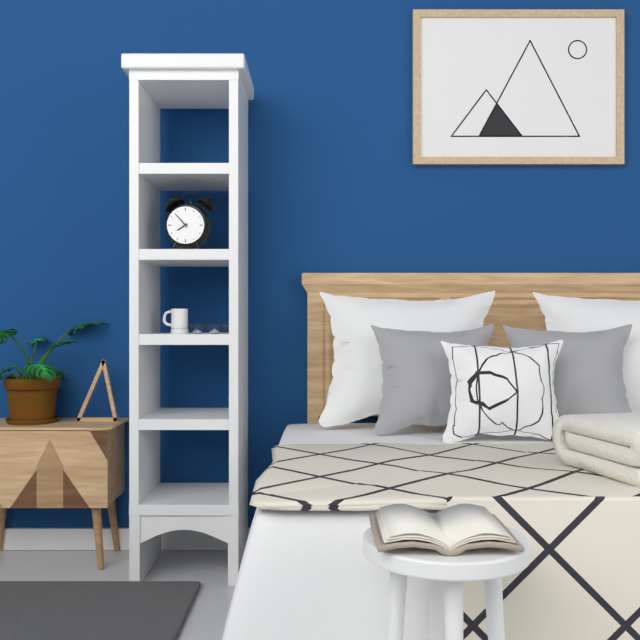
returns 7,53
